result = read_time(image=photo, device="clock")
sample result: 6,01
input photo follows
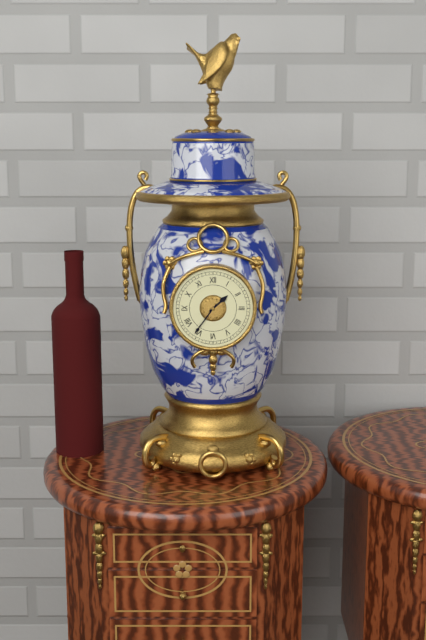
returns 1,36
